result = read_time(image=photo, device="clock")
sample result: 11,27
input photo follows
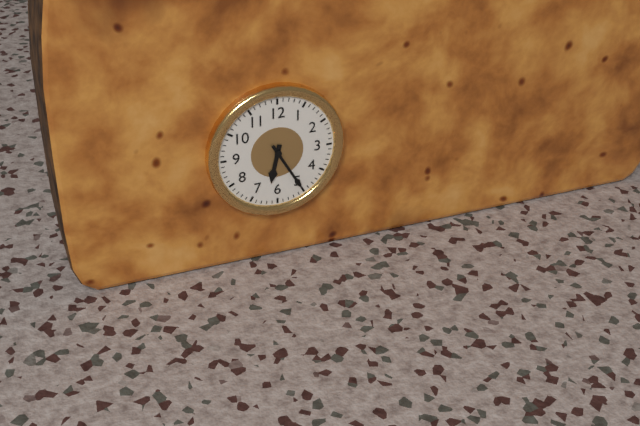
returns 6,25
